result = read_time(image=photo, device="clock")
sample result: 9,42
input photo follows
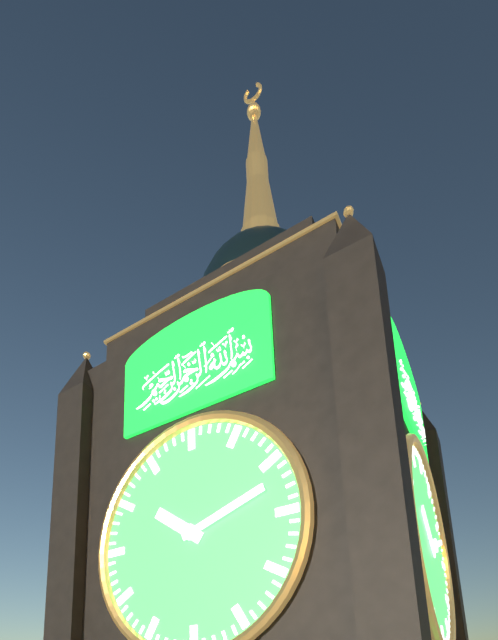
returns 10,12
